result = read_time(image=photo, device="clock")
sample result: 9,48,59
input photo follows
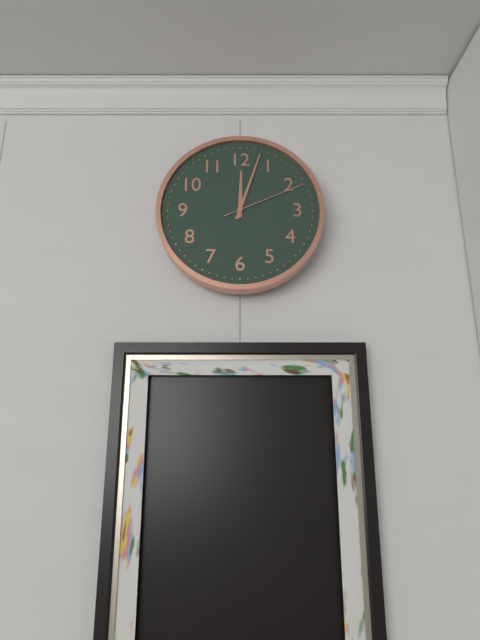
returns 12,03,11
